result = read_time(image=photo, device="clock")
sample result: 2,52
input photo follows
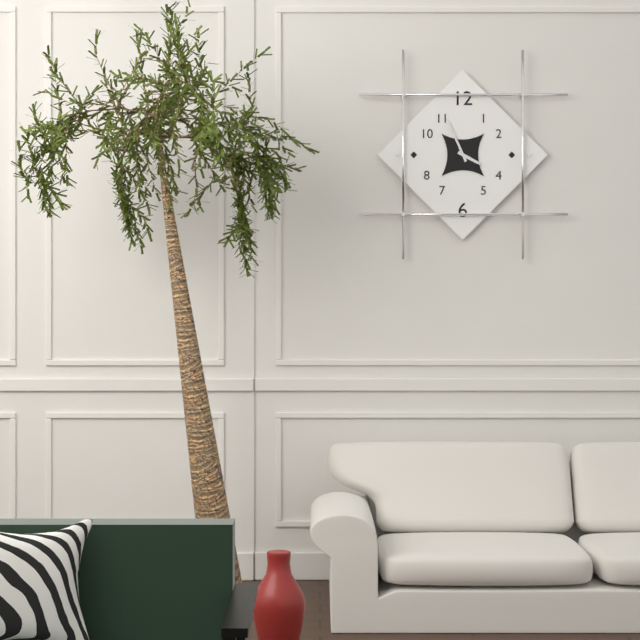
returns 3,56
